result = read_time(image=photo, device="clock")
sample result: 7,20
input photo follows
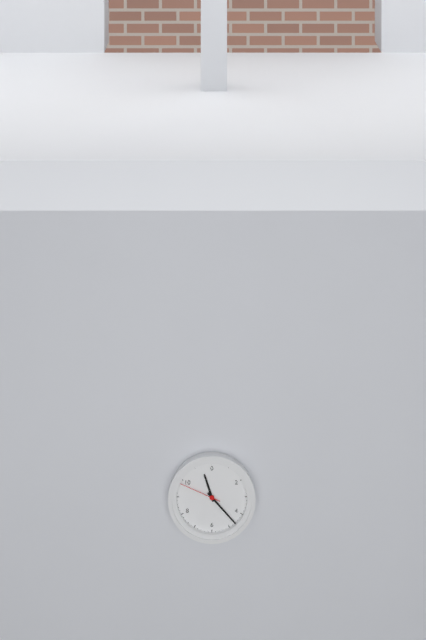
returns 11,23
